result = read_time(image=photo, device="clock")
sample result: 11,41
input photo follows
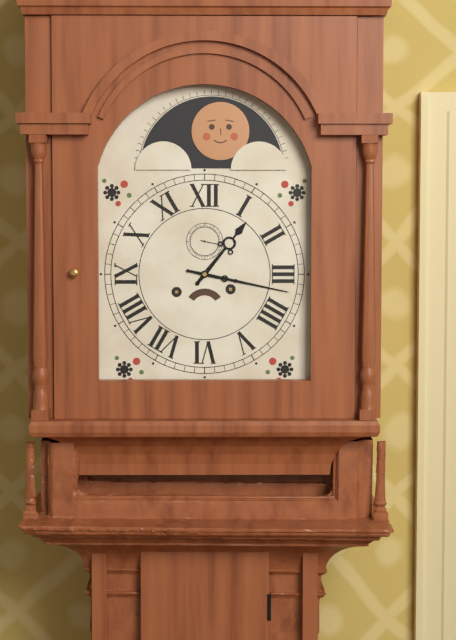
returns 1,17
